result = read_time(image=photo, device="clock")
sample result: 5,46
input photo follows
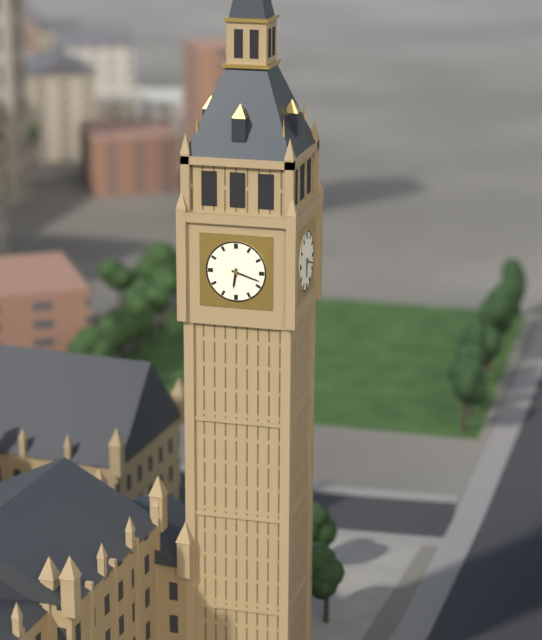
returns 6,18
